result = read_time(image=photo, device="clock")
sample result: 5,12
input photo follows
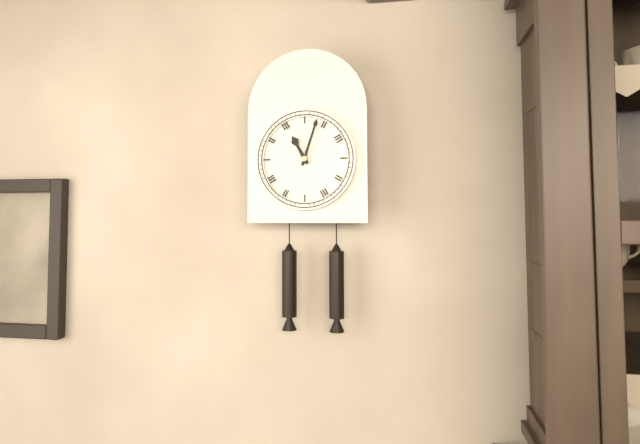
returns 11,03
